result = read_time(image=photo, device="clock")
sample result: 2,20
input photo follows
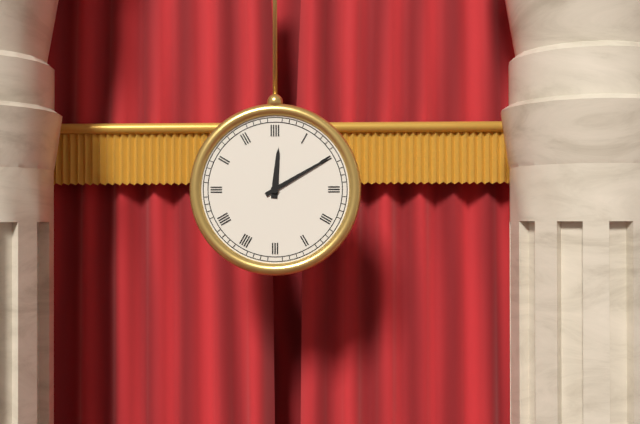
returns 12,10
